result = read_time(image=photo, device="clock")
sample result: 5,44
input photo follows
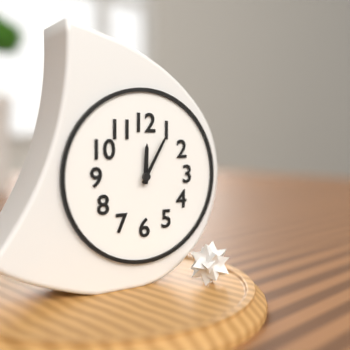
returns 12,05
